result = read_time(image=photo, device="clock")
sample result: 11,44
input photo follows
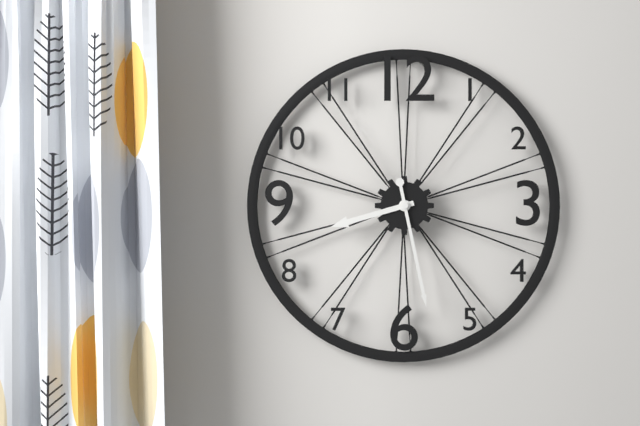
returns 8,28
